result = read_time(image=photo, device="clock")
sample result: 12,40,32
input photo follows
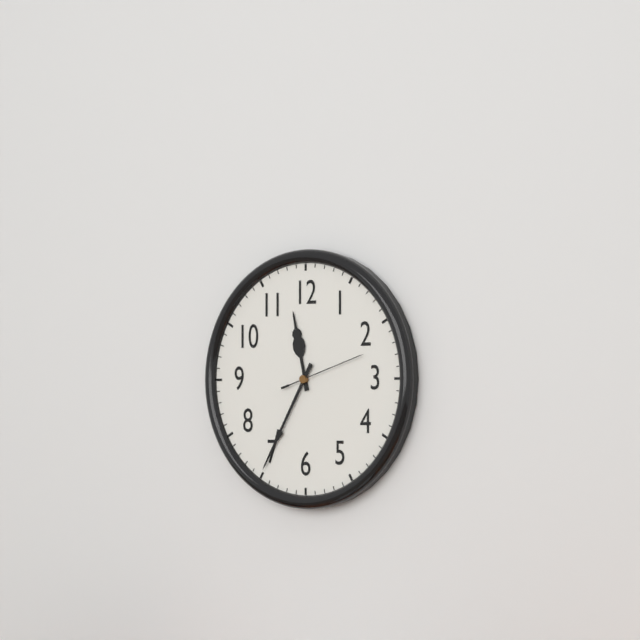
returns 11,35,12
